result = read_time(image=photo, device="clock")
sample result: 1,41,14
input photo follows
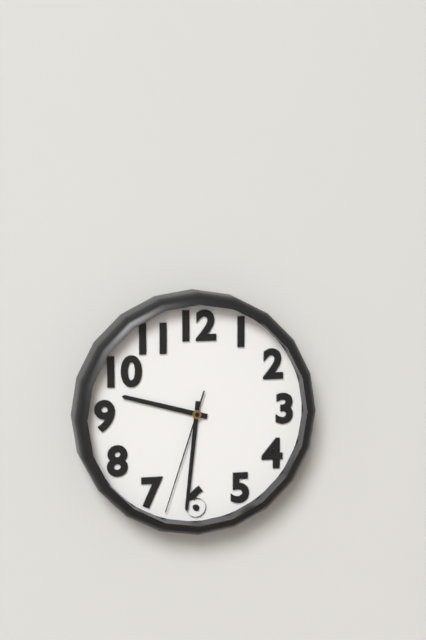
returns 9,31,33
